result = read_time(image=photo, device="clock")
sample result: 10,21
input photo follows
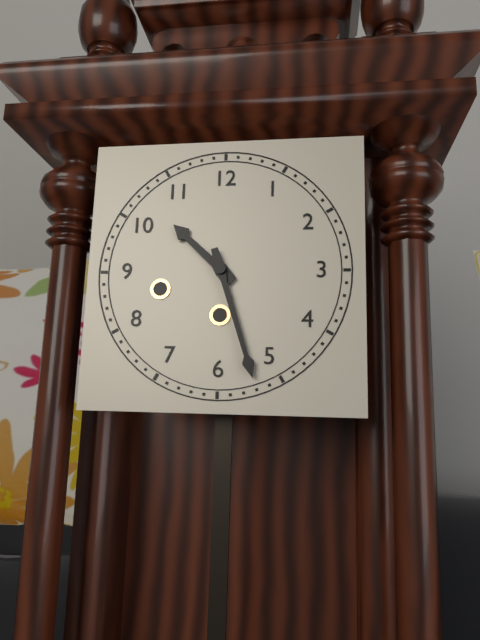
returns 10,27
